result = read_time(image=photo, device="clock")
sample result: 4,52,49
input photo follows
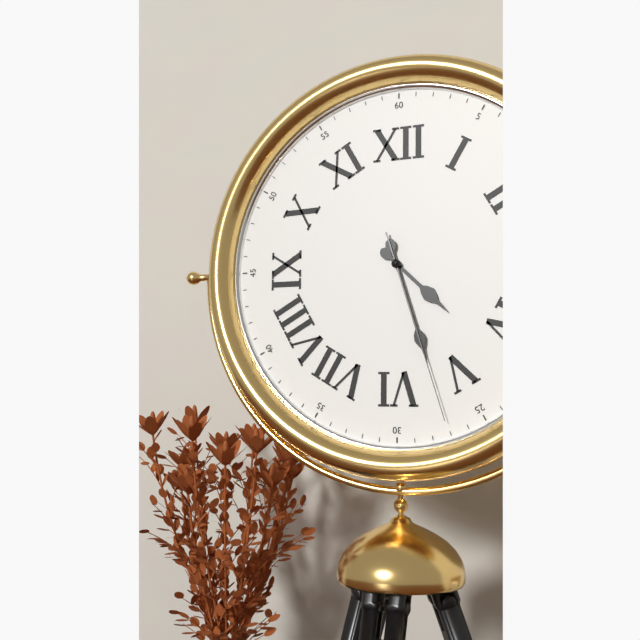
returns 4,27,27
